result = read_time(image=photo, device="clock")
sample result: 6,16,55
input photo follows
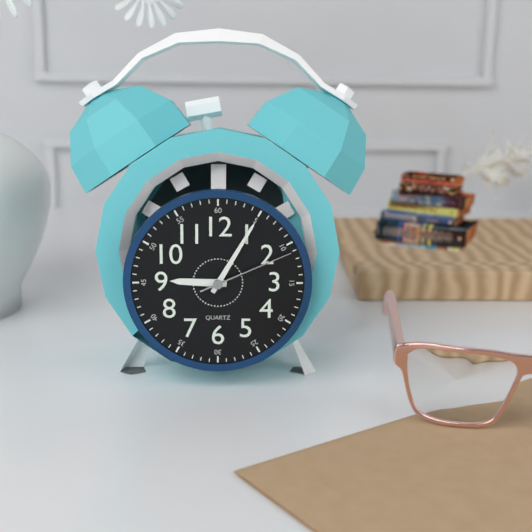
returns 9,05,11
